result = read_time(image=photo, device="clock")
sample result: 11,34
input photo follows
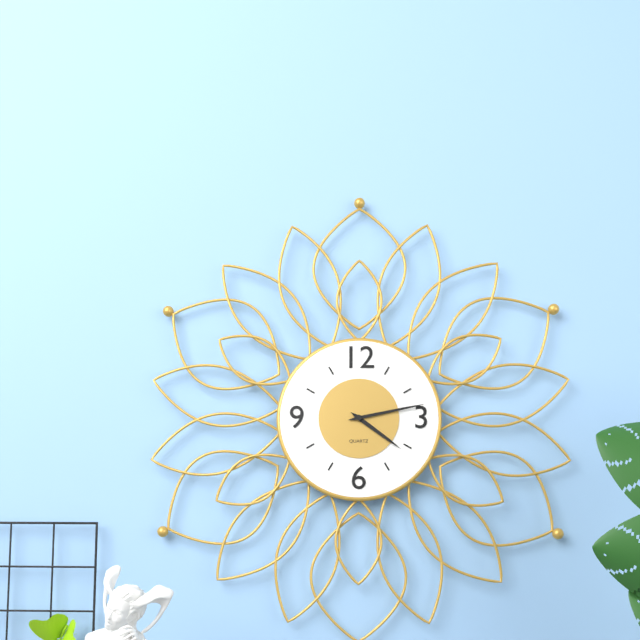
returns 4,13
